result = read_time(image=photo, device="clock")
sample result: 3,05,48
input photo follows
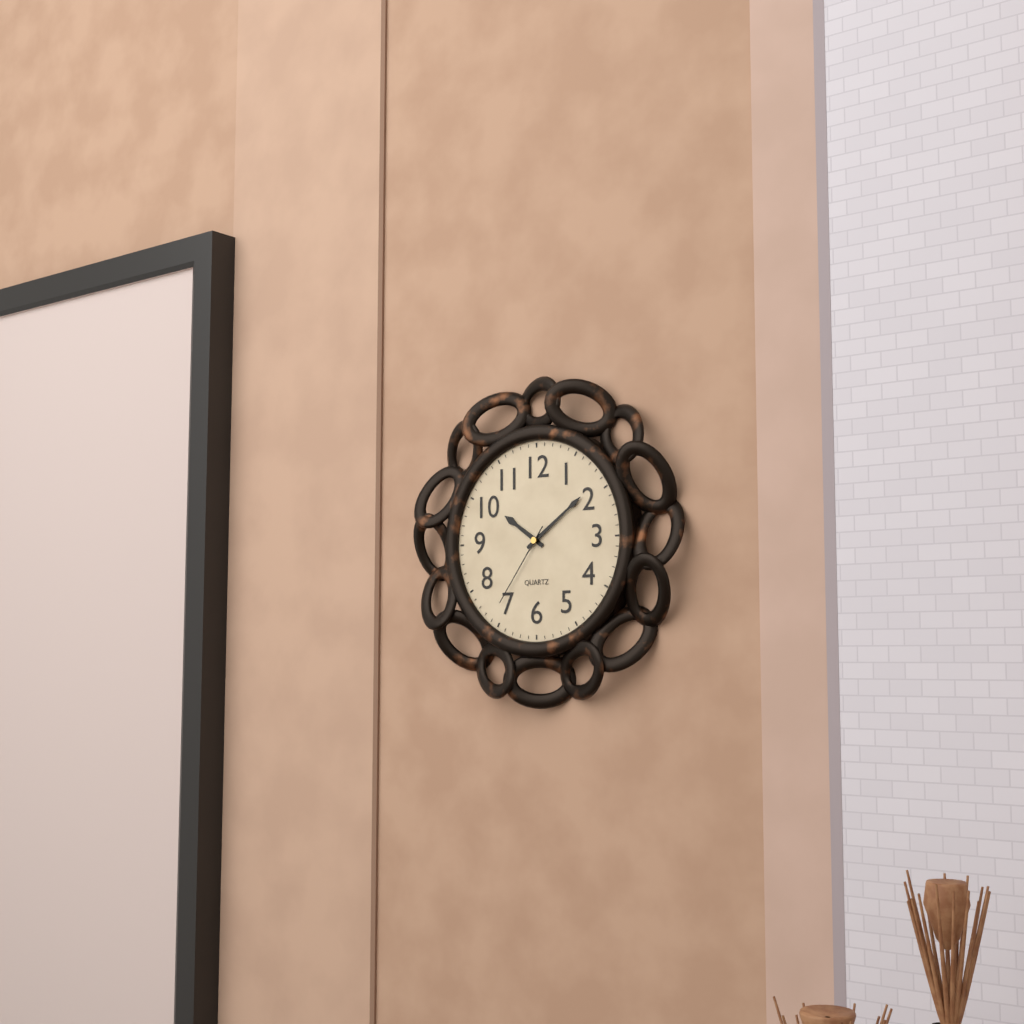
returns 10,09,36
